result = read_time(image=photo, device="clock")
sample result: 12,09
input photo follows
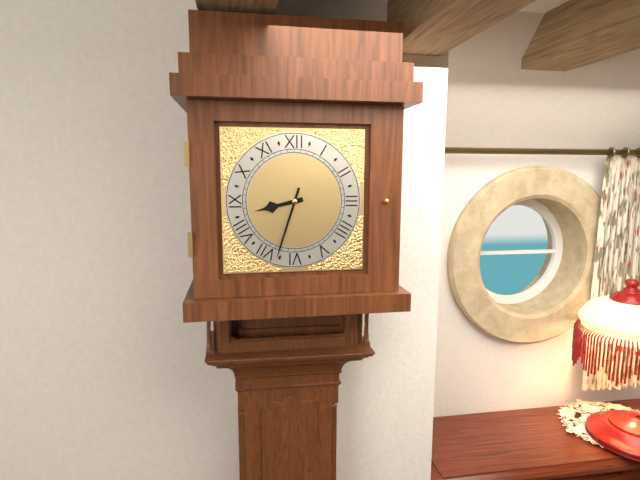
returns 8,33
